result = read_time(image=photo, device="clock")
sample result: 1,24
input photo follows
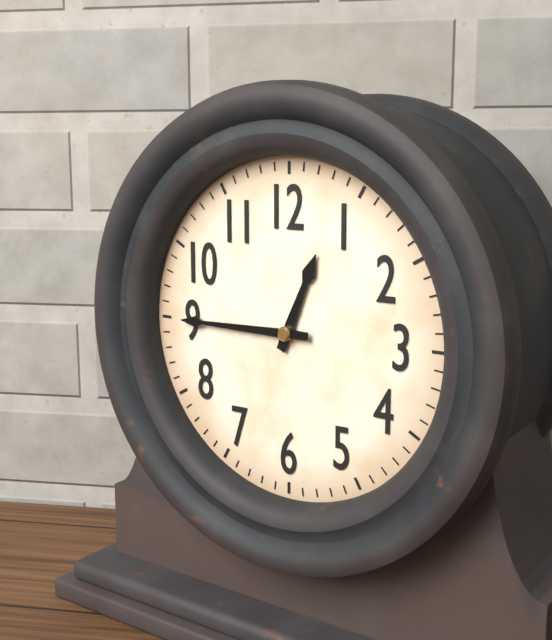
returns 12,45
